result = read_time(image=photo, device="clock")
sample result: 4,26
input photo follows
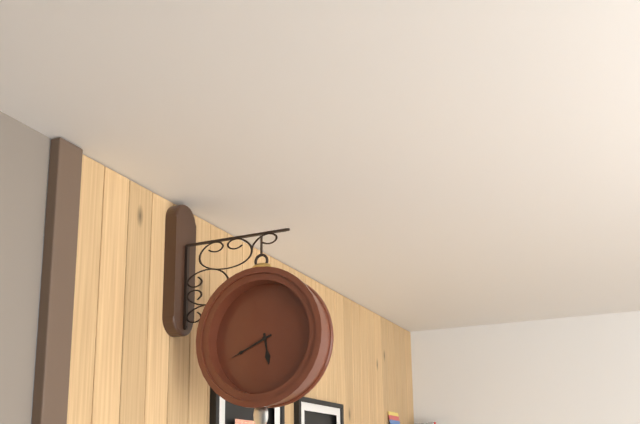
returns 5,41
